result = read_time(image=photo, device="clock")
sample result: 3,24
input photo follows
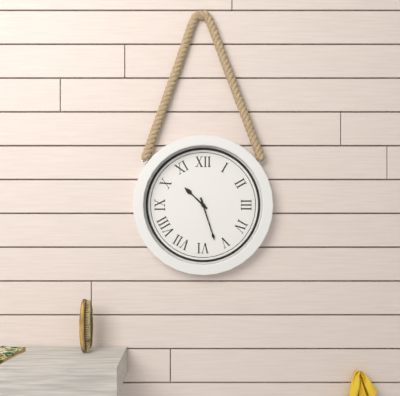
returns 10,27
